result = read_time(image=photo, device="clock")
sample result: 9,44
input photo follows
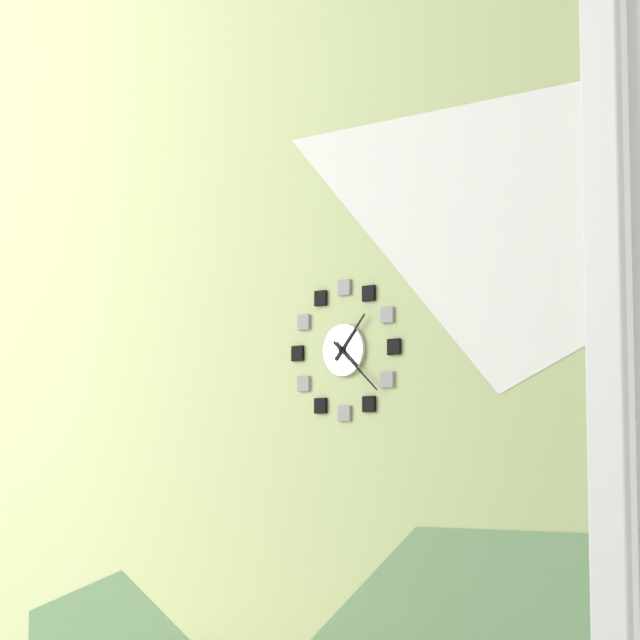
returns 1,22
